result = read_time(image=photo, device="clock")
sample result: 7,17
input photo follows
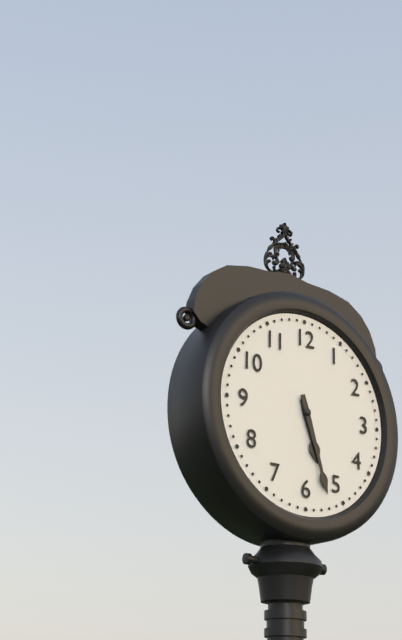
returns 5,27
